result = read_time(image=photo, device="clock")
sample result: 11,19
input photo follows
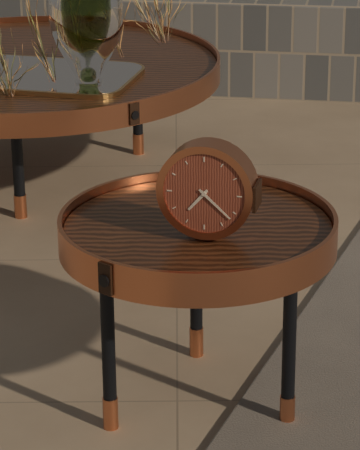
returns 7,22
